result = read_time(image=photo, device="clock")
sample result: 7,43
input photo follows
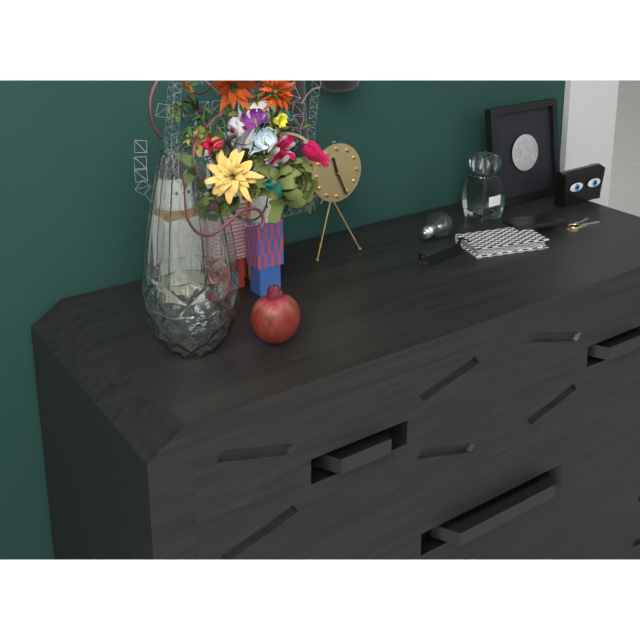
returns 11,26
